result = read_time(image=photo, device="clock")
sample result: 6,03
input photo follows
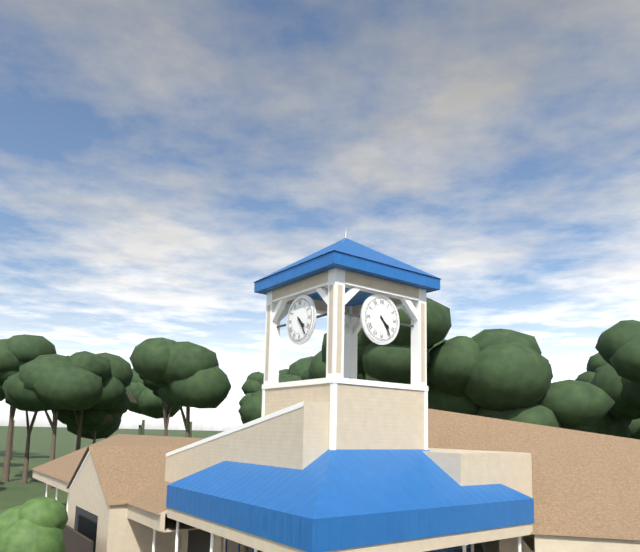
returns 4,24
